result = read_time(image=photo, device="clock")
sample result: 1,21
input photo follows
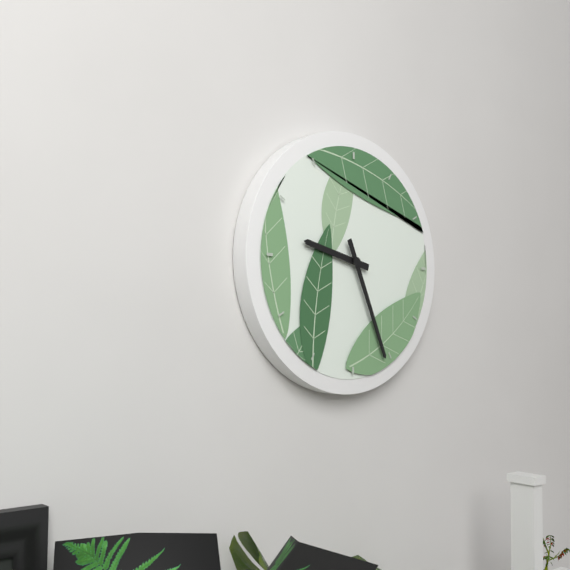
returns 9,26
